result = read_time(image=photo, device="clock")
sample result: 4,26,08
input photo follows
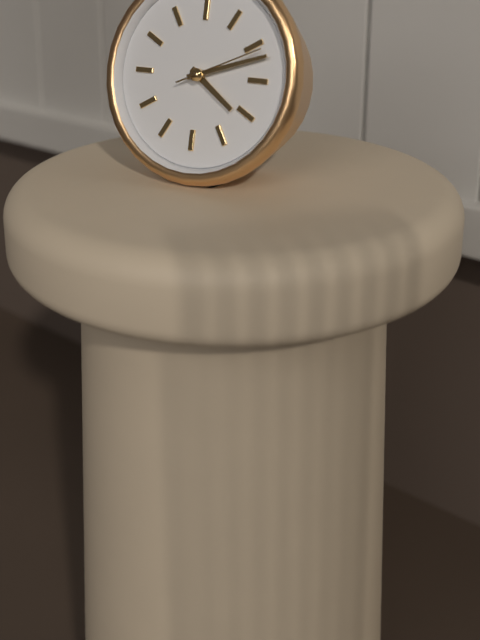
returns 4,12,11
